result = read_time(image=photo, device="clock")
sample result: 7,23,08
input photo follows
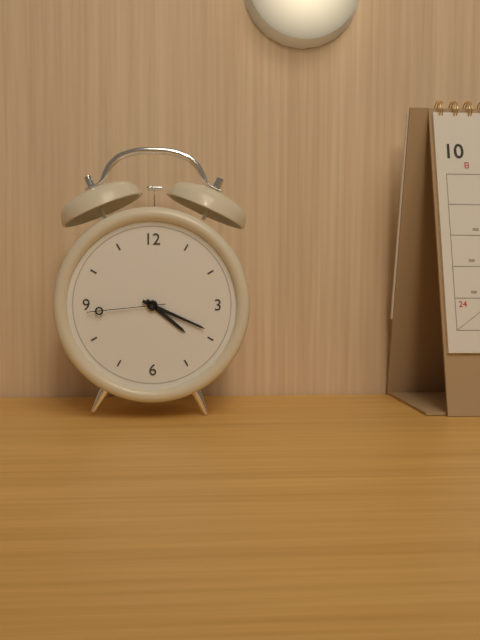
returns 4,19,44
